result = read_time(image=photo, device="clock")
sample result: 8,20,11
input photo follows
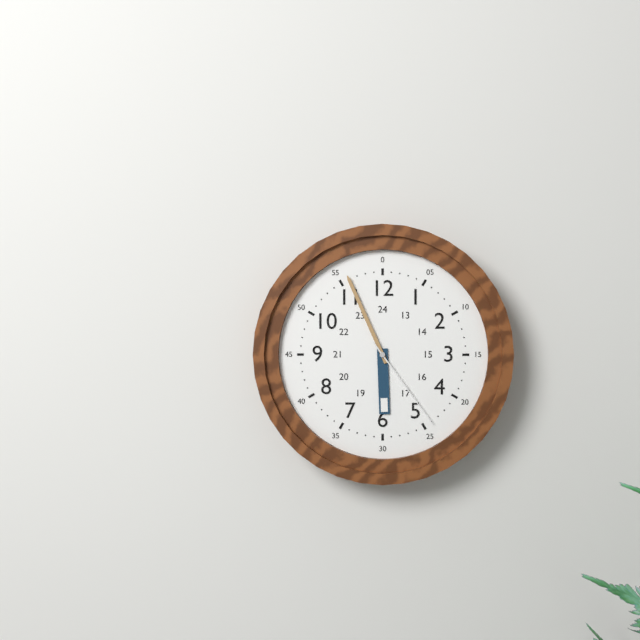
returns 5,56,24
